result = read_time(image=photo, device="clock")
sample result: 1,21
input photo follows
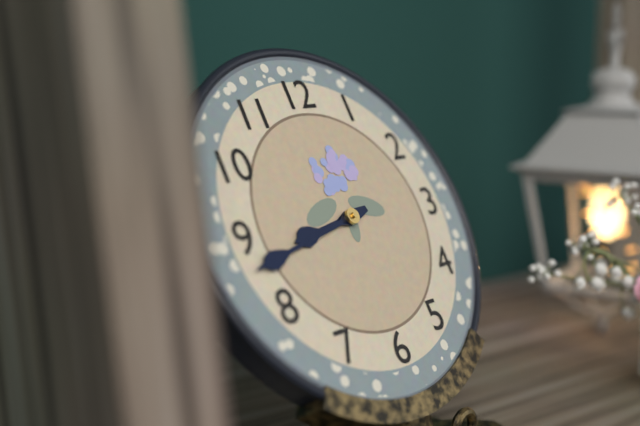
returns 8,43
